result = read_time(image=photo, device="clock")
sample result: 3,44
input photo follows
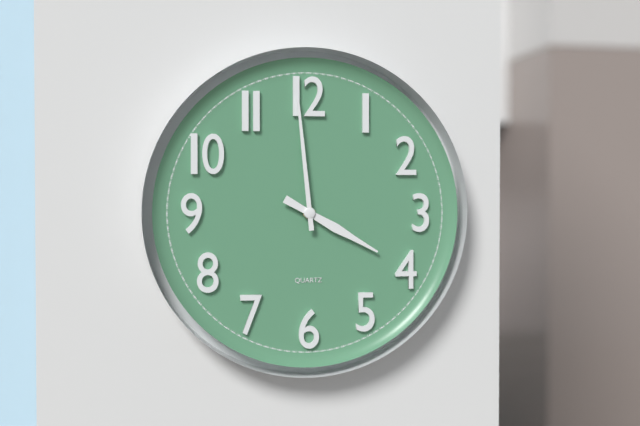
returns 3,59
